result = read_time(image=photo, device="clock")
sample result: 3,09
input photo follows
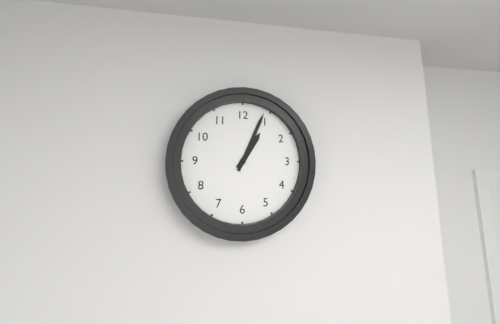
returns 1,04
